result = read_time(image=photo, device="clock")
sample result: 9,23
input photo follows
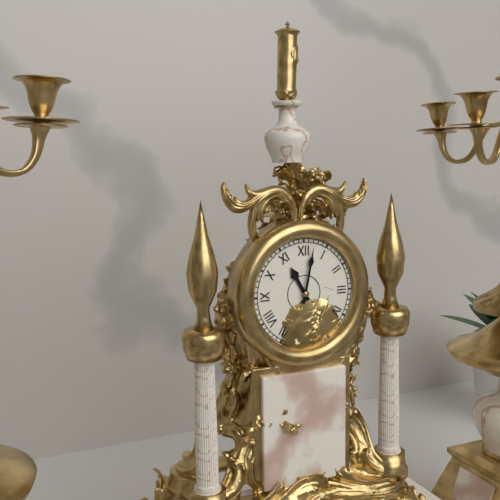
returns 11,02
